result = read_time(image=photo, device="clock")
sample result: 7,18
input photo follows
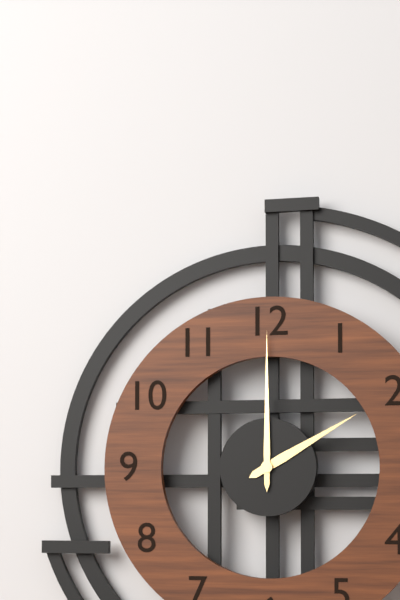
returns 2,00
